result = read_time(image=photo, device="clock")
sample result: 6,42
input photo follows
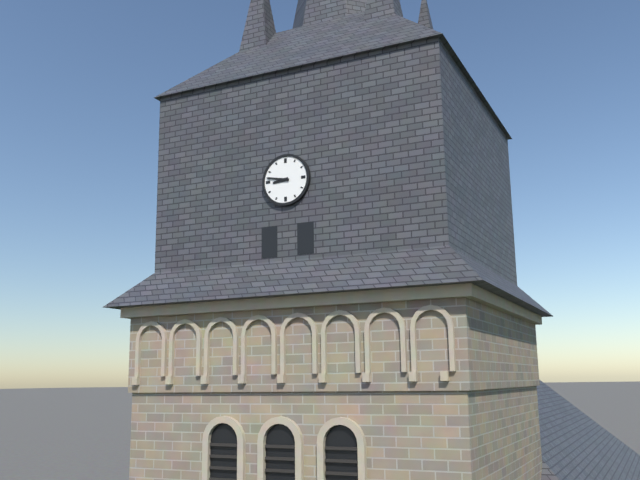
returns 8,47
